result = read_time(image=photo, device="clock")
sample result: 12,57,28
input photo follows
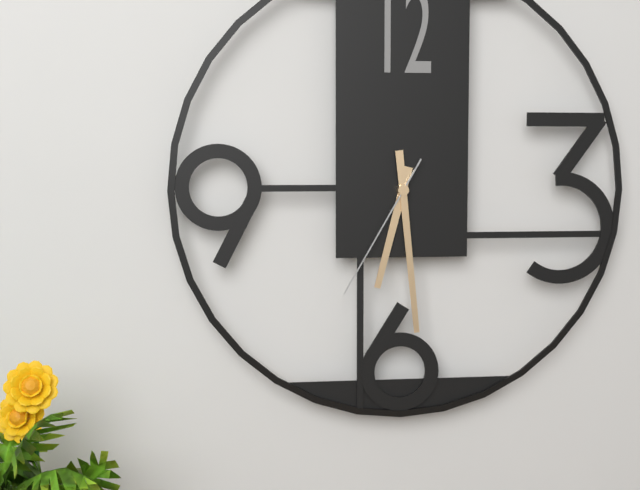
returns 6,29,35
